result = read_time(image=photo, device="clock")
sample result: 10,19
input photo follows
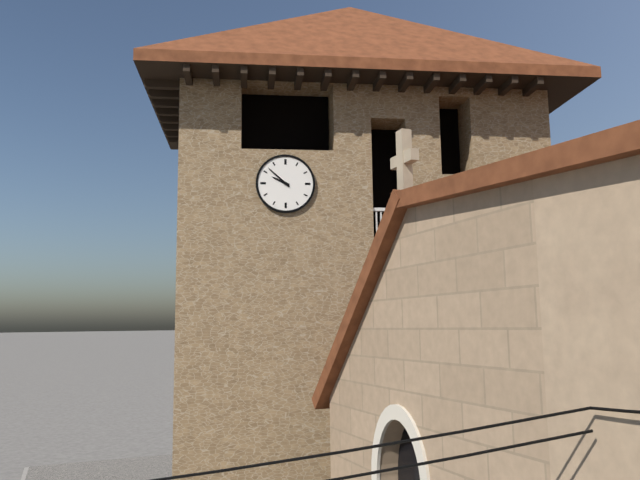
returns 9,52
